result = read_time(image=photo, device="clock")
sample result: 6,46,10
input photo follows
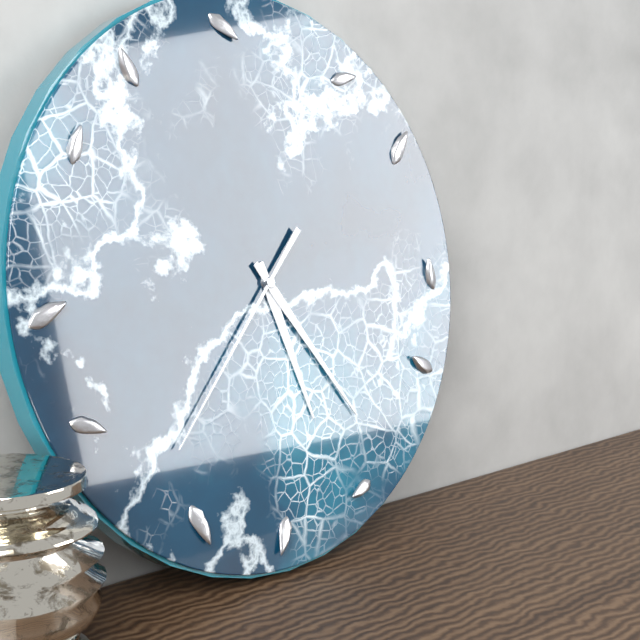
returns 5,24,37
